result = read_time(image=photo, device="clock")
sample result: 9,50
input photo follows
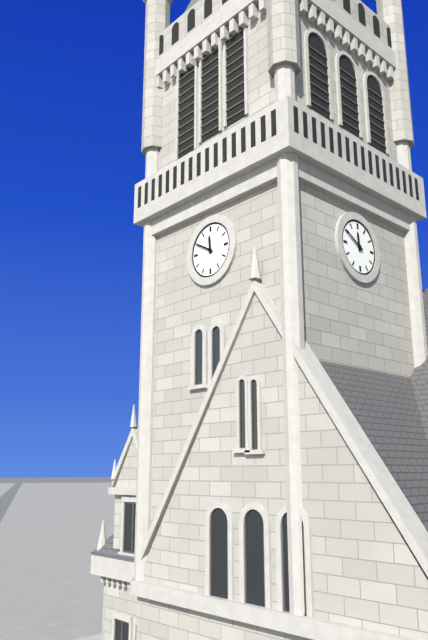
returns 11,50
